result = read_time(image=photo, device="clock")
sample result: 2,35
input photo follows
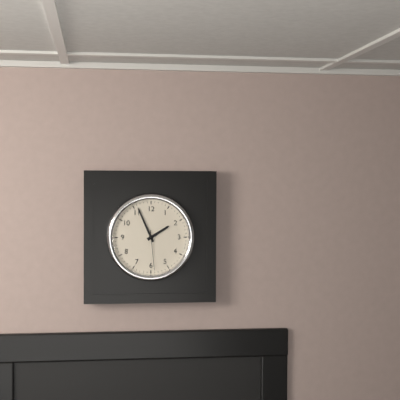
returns 1,56
